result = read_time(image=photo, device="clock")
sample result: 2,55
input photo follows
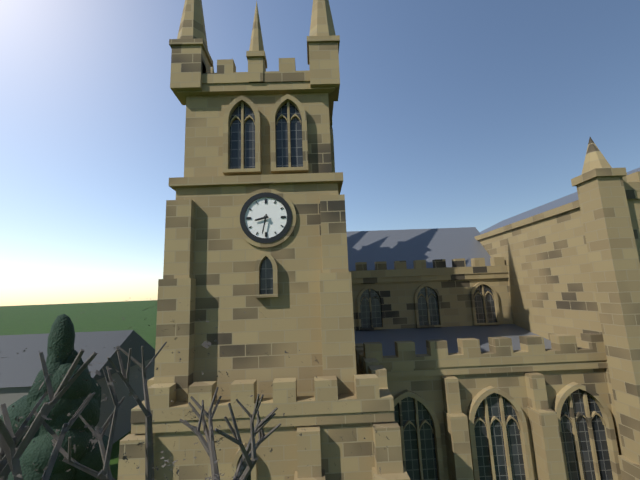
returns 8,32
